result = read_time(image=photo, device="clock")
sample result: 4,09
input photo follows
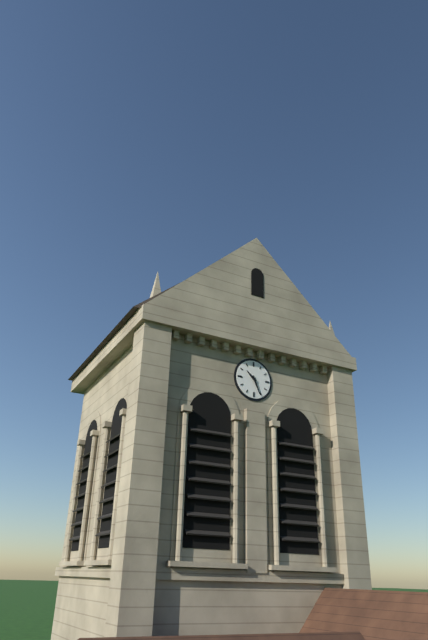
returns 10,26
